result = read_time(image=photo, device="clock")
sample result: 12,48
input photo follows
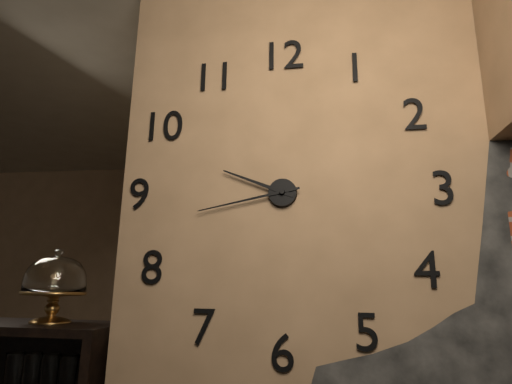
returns 9,43
